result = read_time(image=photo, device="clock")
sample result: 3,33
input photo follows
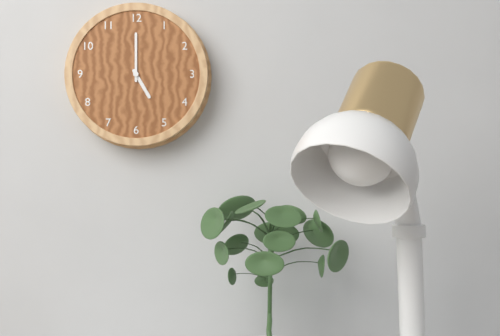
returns 5,00
